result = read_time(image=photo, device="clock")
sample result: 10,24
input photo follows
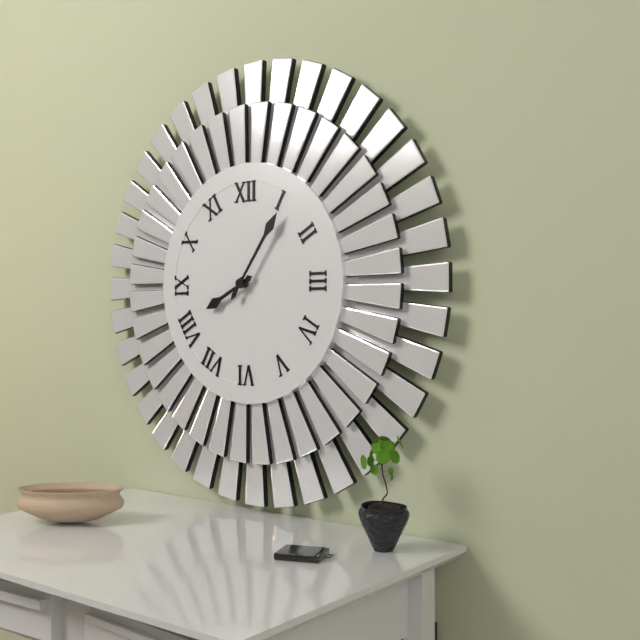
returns 8,06
